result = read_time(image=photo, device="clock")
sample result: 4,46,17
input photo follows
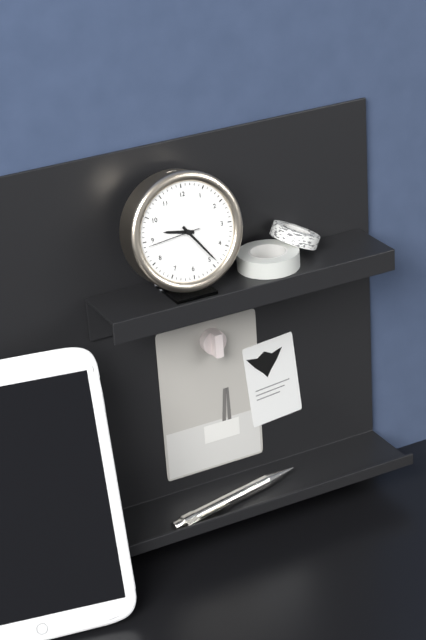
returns 9,24,44
